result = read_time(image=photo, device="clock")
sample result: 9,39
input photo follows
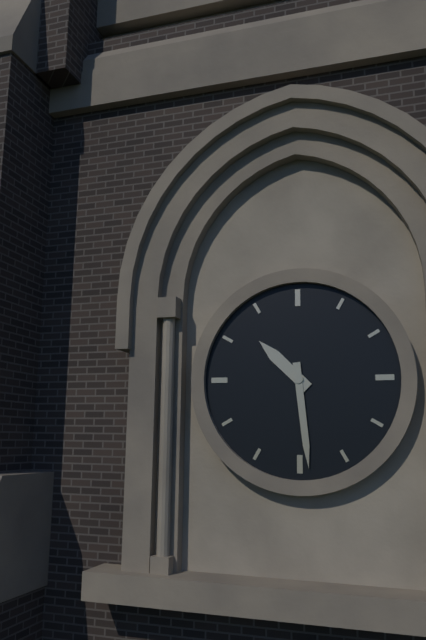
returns 10,29
